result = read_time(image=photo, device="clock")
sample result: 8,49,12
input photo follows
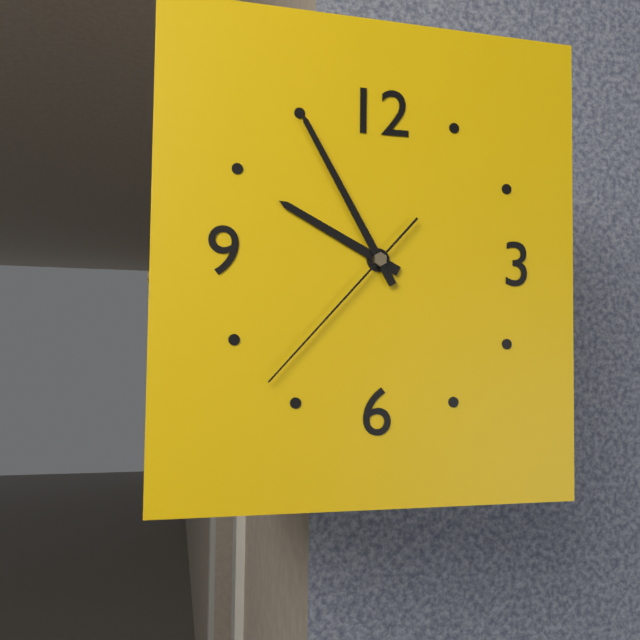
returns 9,55,37
